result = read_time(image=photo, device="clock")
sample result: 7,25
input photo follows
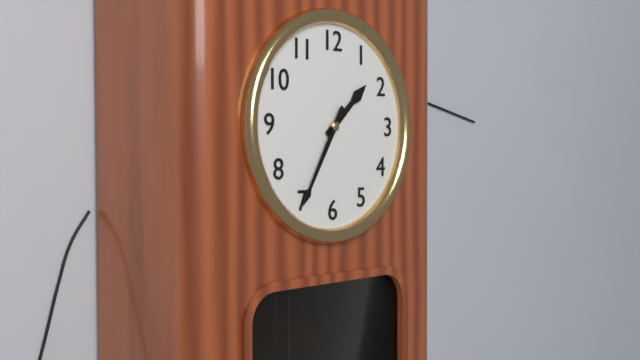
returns 1,35
